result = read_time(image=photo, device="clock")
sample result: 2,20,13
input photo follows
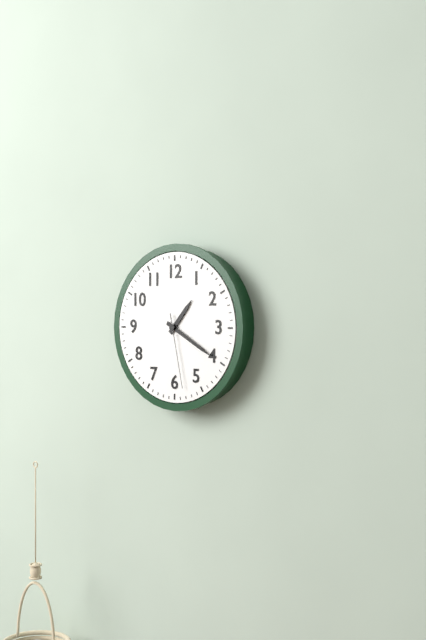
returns 1,20,28
